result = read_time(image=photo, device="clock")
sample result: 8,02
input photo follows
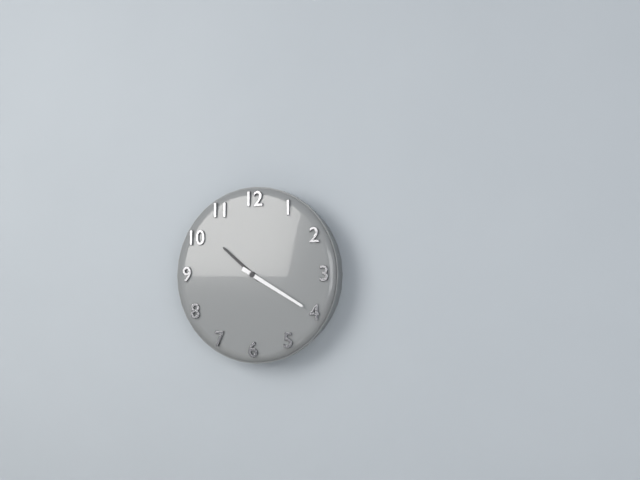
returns 10,20
